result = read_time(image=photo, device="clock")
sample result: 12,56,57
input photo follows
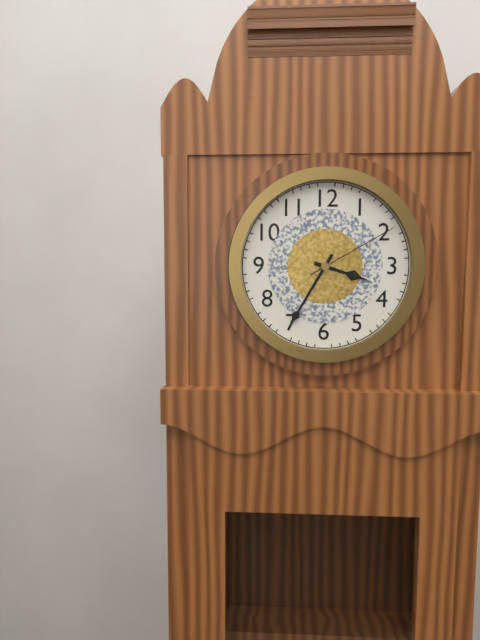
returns 3,35,10
